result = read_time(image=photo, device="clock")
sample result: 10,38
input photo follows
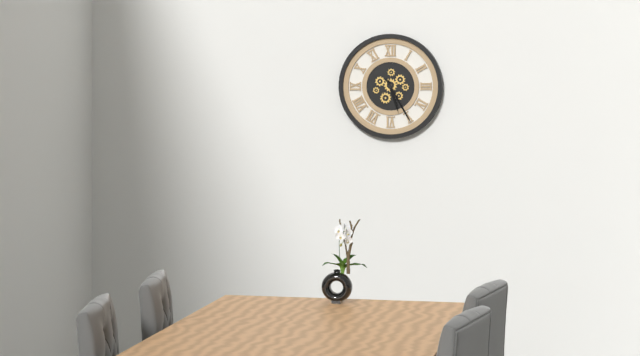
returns 5,25
